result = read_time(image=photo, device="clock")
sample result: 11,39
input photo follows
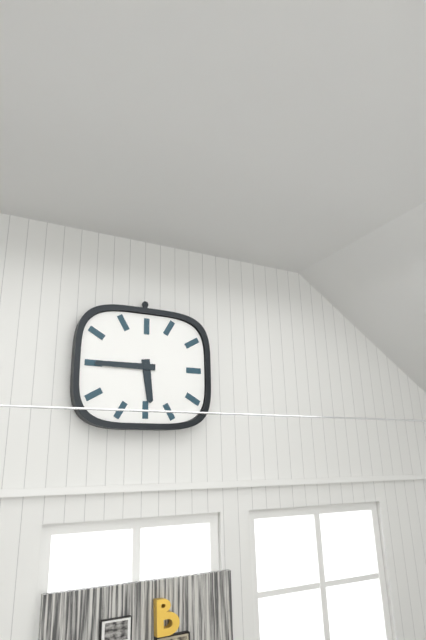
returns 5,45
